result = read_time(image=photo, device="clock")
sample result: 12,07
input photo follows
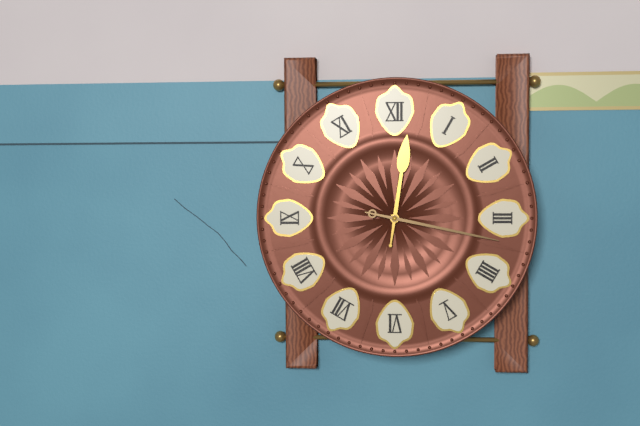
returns 12,17
